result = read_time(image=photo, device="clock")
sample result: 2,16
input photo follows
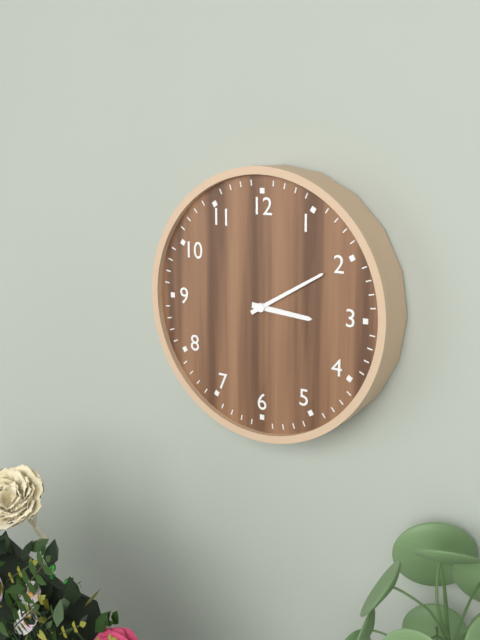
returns 3,10
